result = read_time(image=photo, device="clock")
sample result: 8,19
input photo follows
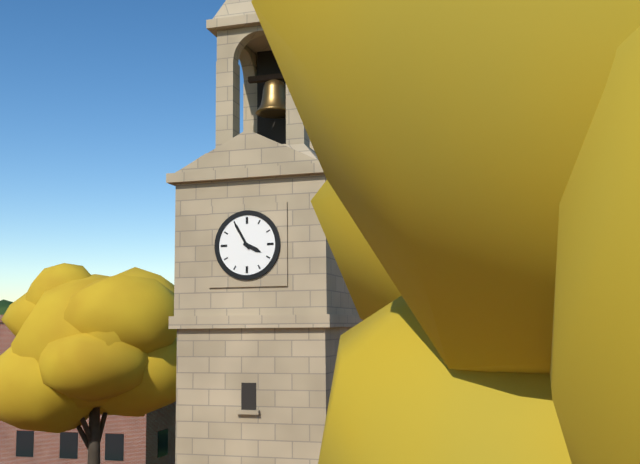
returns 3,55
